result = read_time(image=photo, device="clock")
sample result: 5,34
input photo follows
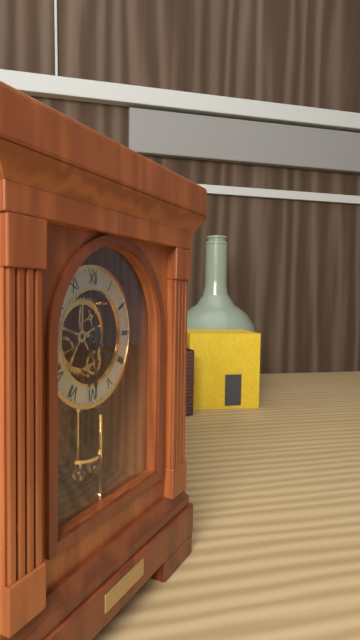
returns 4,30
